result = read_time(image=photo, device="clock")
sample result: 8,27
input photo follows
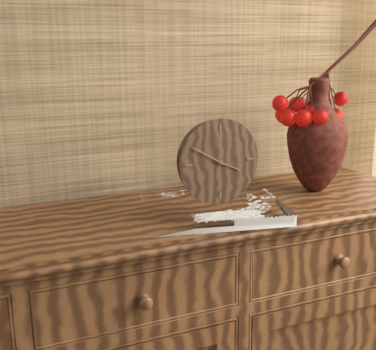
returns 3,50
